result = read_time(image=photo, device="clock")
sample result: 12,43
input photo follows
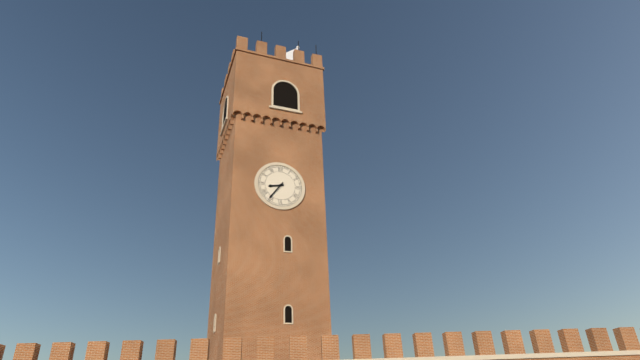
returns 8,36
